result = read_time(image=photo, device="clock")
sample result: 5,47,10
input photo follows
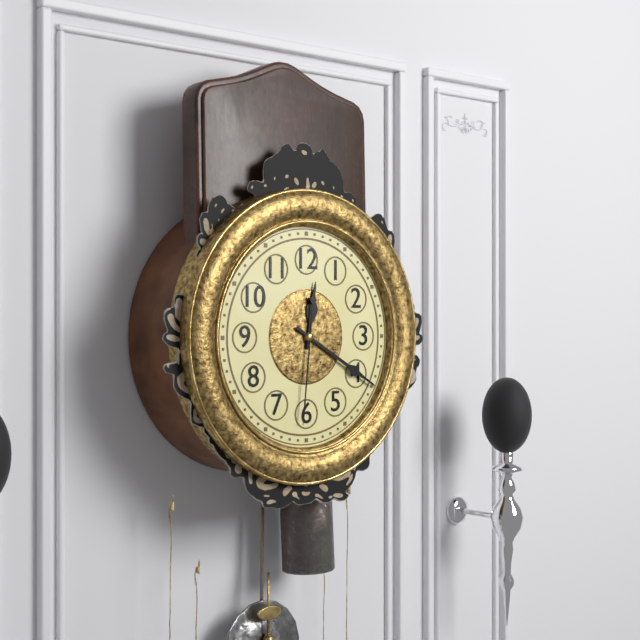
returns 12,20,31
